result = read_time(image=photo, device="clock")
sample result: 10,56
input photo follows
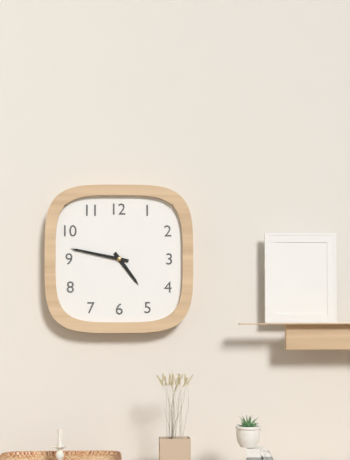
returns 4,47
